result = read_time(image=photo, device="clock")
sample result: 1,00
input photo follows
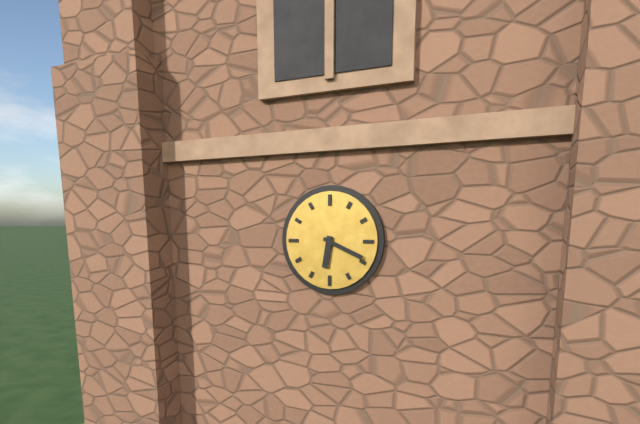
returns 6,19
